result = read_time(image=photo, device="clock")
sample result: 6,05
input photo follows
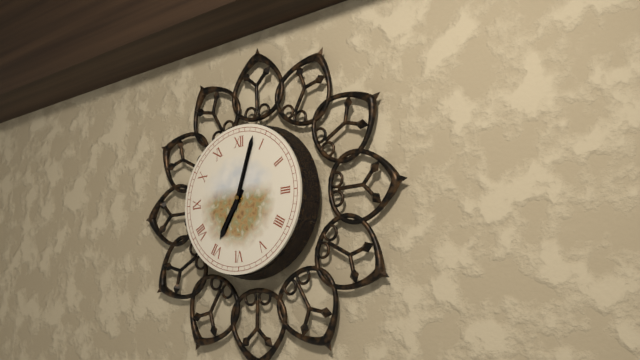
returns 7,03
